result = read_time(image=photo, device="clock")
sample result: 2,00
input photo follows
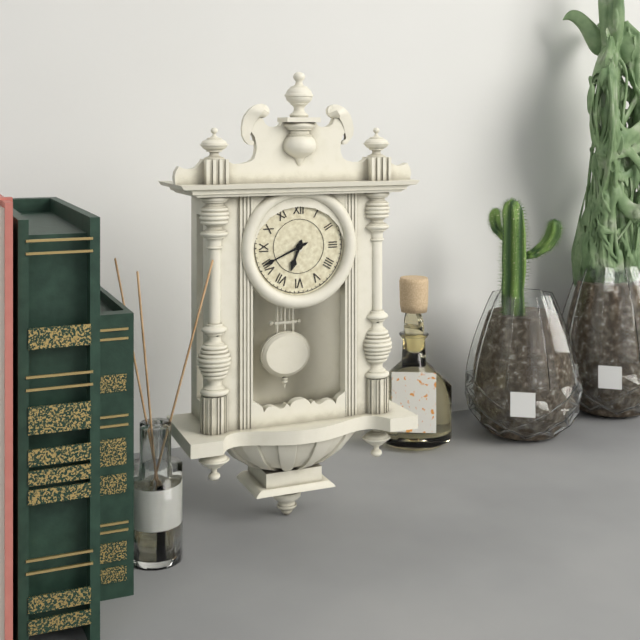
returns 6,41
